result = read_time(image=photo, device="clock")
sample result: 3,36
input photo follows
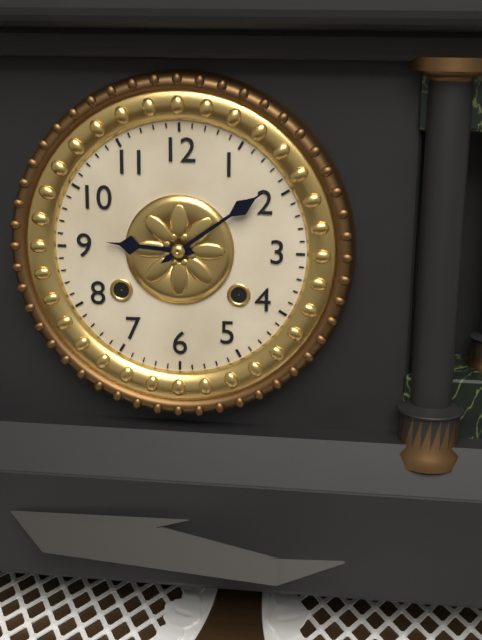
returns 9,09
